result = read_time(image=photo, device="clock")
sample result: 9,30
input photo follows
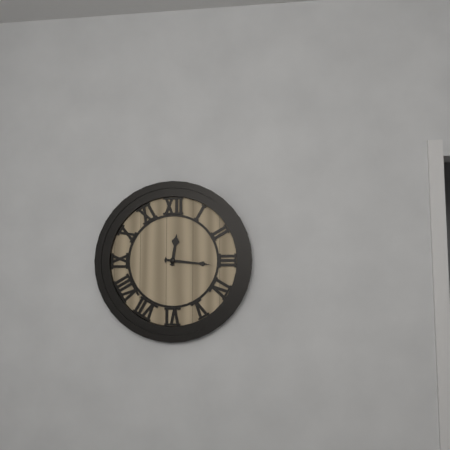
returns 12,16
